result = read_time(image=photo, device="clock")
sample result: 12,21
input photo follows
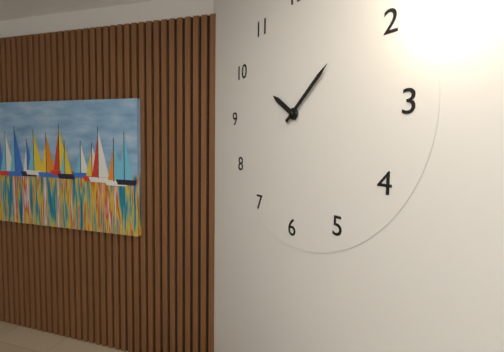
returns 10,08
